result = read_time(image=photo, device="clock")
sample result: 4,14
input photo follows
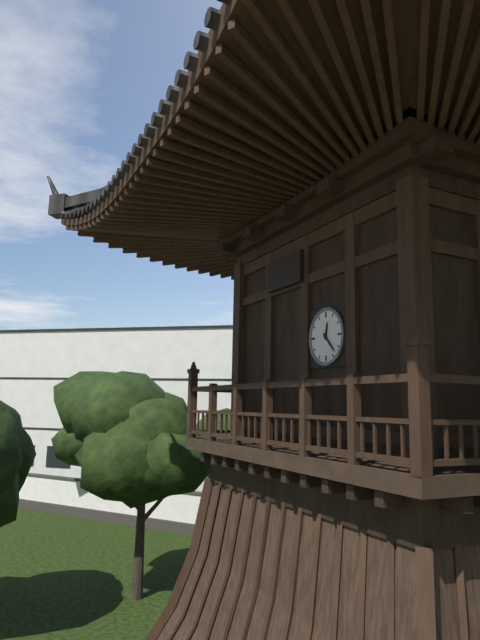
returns 12,23
